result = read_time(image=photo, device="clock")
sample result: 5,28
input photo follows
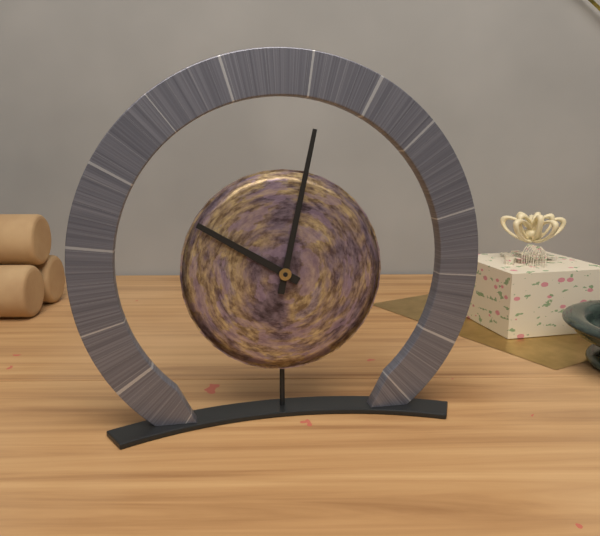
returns 10,02
